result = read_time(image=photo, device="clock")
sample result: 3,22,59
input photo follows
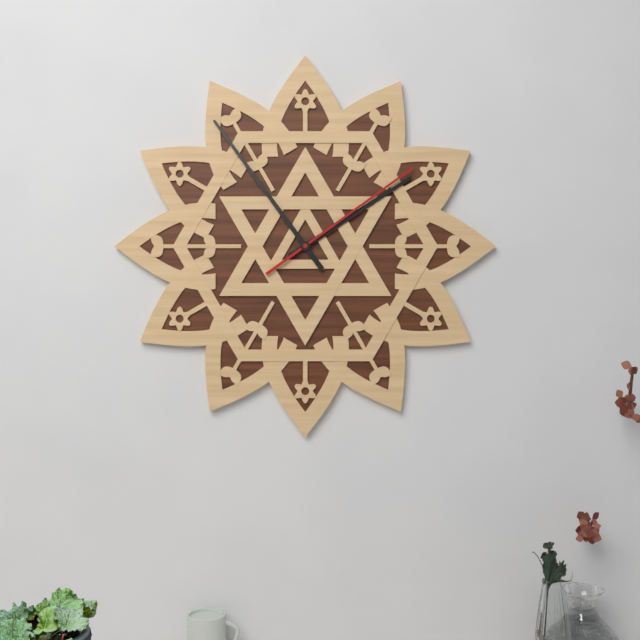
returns 1,54,09
